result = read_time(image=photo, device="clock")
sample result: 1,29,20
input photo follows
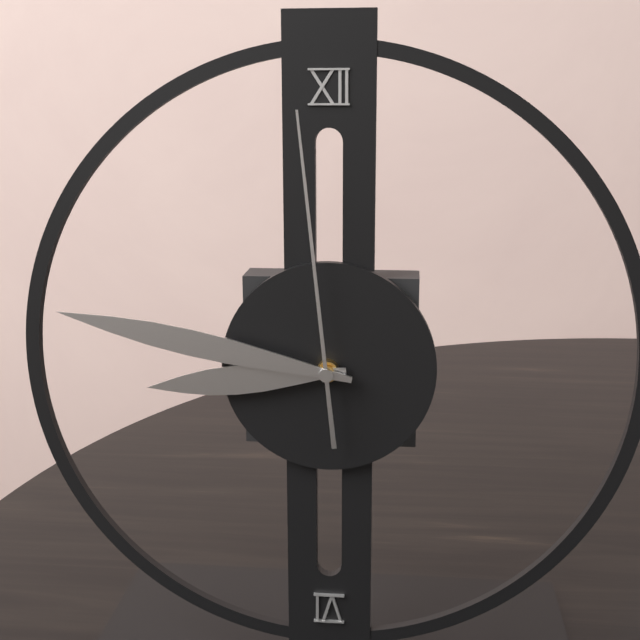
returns 8,47,59
